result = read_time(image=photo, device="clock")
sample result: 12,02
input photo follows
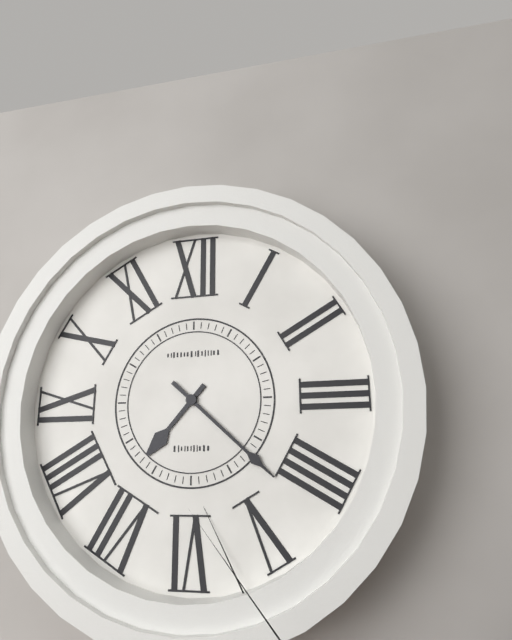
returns 7,22
